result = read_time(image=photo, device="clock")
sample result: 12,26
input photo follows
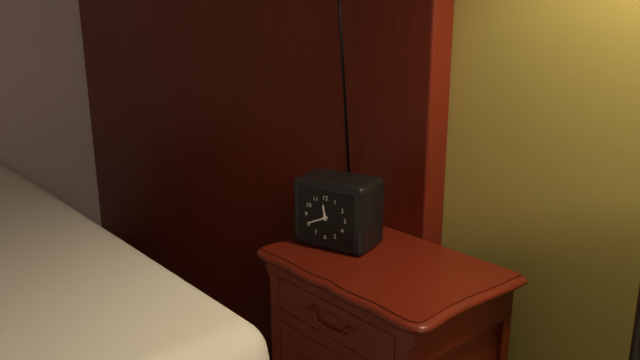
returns 11,41
